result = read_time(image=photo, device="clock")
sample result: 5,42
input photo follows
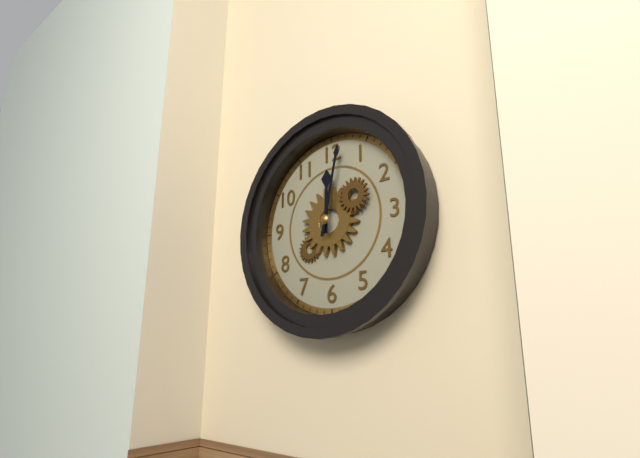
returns 12,02
